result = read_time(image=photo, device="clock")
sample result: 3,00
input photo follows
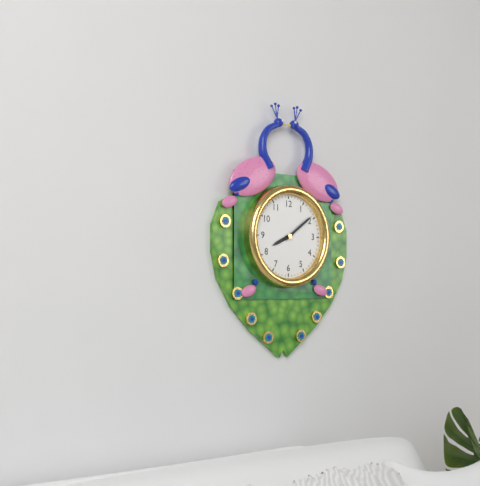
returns 8,09
